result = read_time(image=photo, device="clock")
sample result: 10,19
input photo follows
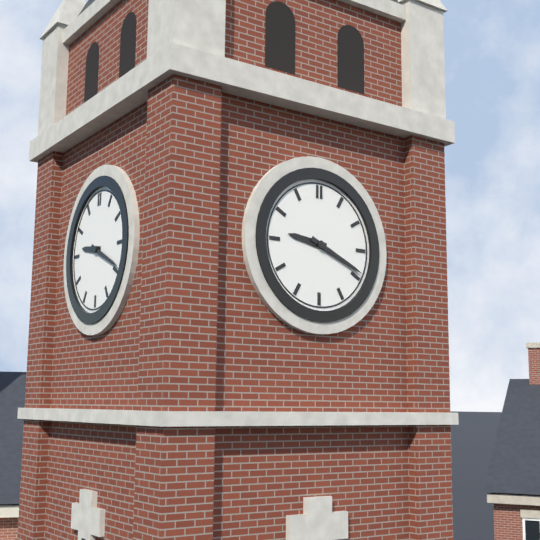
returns 9,19
